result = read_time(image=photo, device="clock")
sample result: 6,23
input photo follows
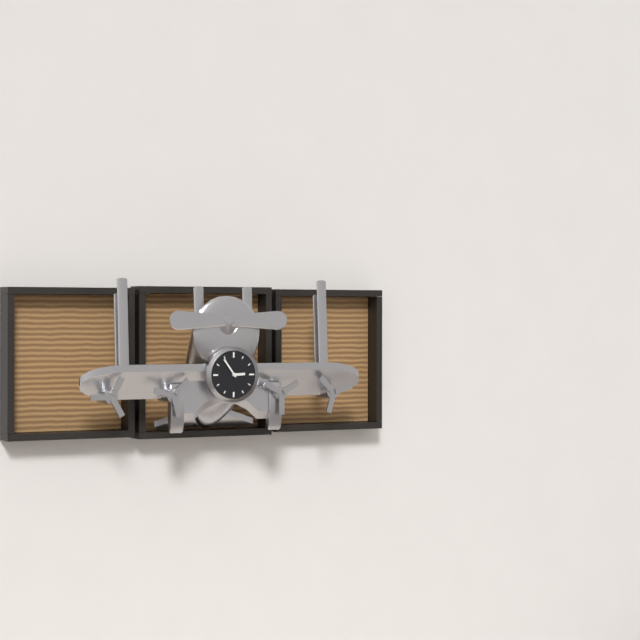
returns 2,54
